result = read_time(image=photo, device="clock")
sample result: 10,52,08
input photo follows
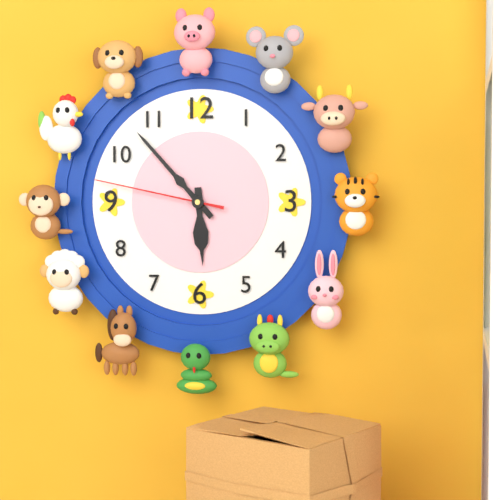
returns 5,53,47
